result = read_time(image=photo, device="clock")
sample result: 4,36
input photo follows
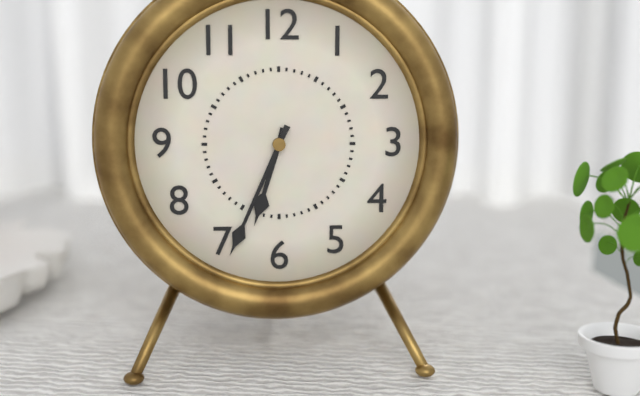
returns 6,34
